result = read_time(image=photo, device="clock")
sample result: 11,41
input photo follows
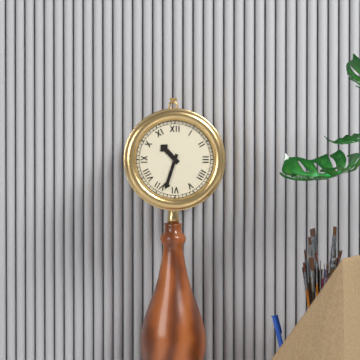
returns 10,33
